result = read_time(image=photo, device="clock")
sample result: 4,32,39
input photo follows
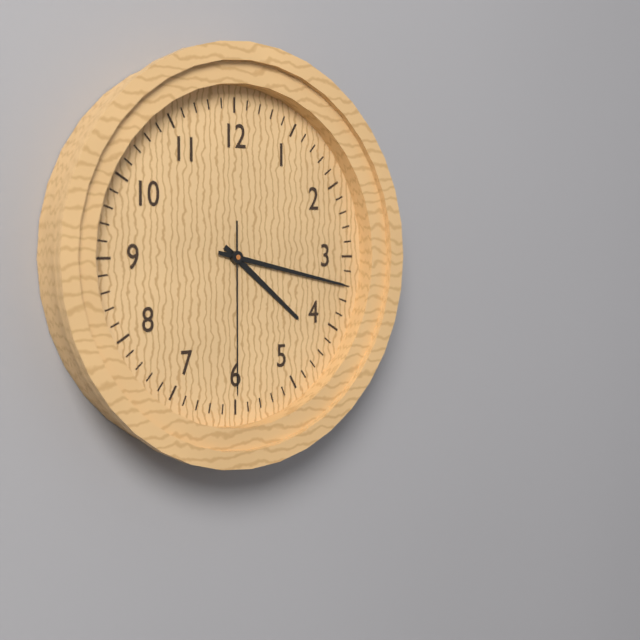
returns 4,17,30
